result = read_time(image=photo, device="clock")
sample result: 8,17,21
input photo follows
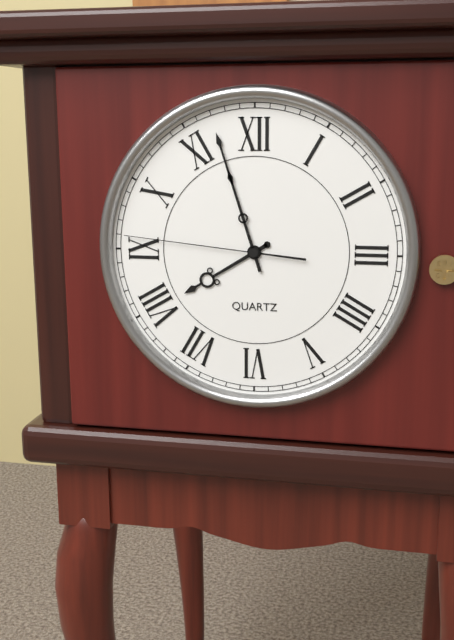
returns 7,57,46
